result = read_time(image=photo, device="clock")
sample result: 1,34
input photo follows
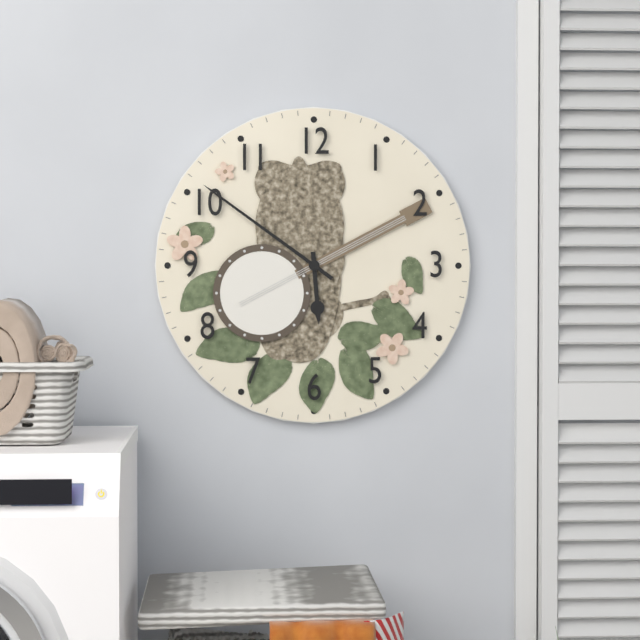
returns 5,51
